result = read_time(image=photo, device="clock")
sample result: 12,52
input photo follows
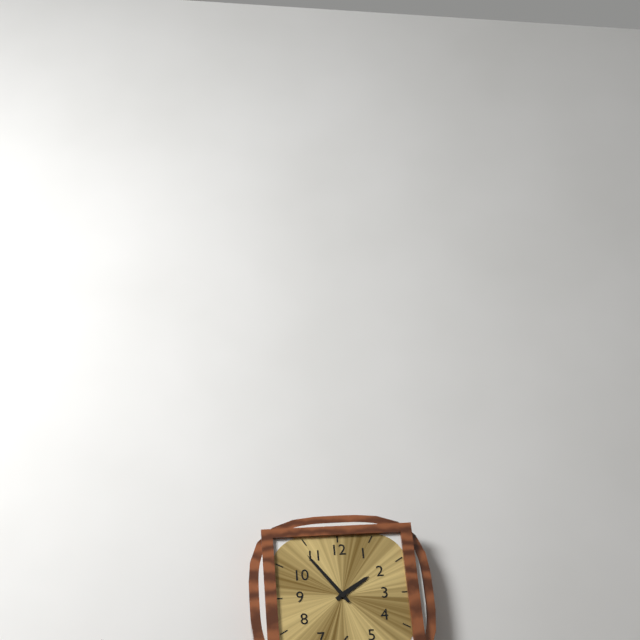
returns 1,54
